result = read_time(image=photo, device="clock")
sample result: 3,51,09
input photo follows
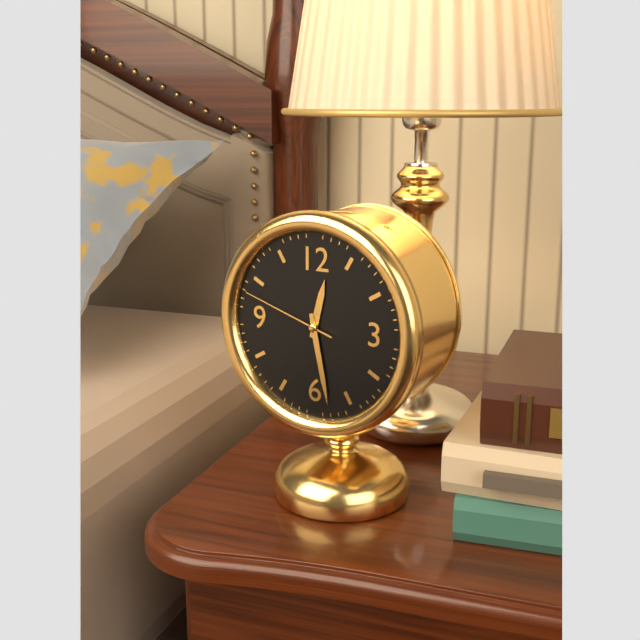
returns 12,28,48
